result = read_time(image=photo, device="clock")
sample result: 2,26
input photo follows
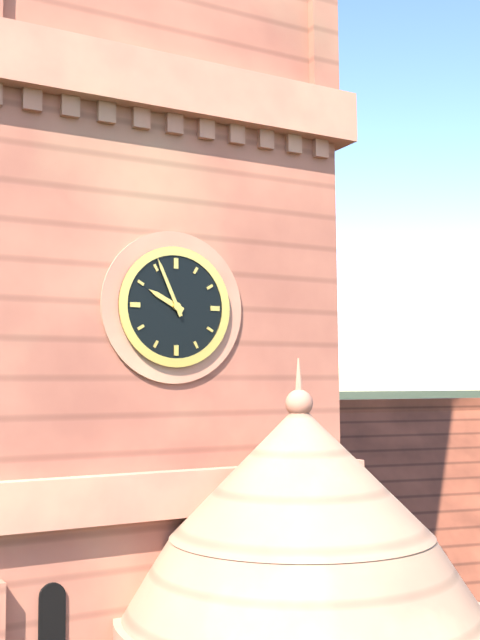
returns 9,56
